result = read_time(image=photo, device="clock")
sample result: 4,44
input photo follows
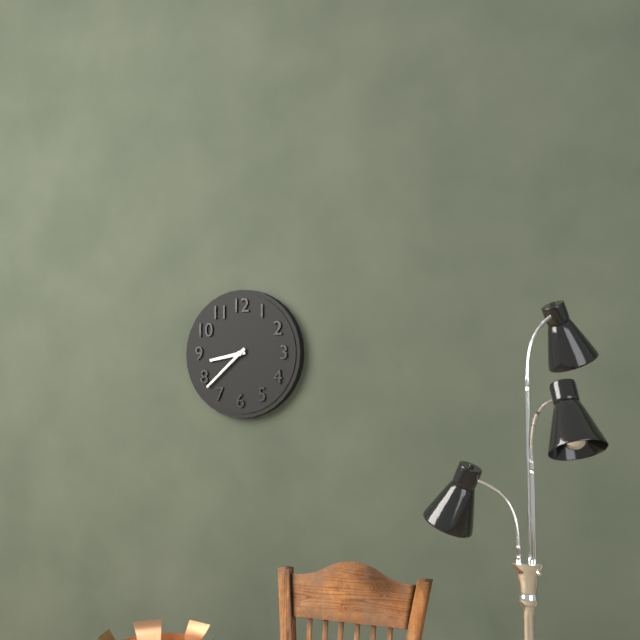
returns 8,38
